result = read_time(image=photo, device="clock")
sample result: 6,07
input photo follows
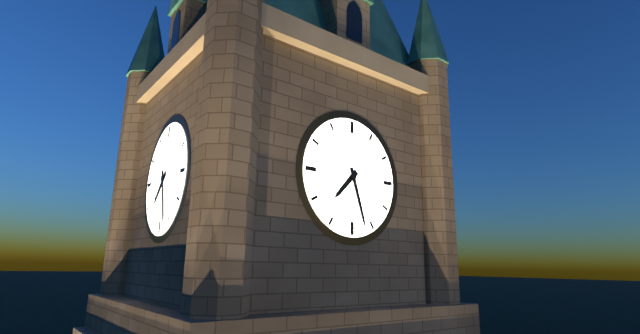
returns 7,27
